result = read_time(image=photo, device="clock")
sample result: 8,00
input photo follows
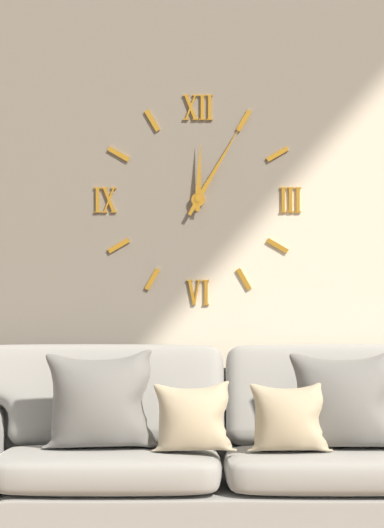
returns 12,05
